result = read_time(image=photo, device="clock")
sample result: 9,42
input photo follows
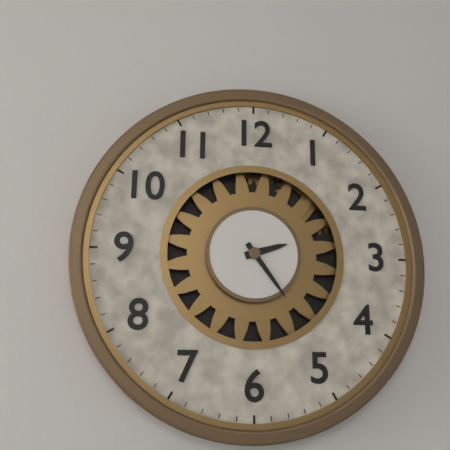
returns 2,24
